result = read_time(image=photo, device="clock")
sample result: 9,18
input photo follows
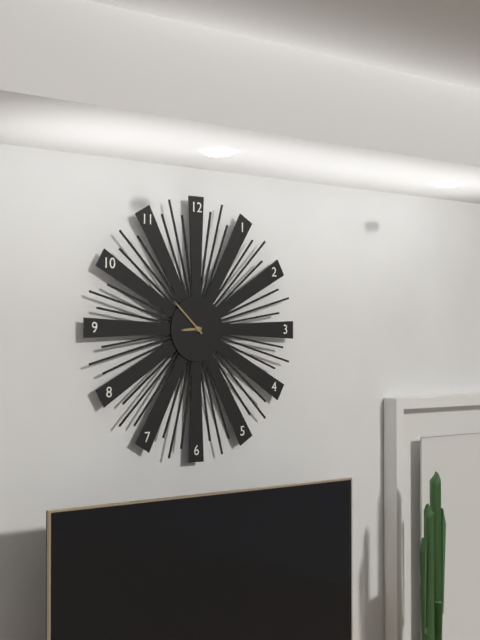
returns 8,52
